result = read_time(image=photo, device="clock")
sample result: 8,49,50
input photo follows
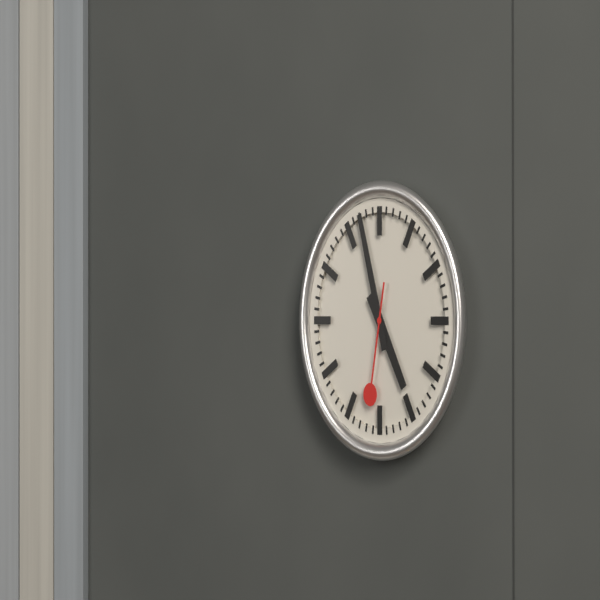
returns 4,57,32
